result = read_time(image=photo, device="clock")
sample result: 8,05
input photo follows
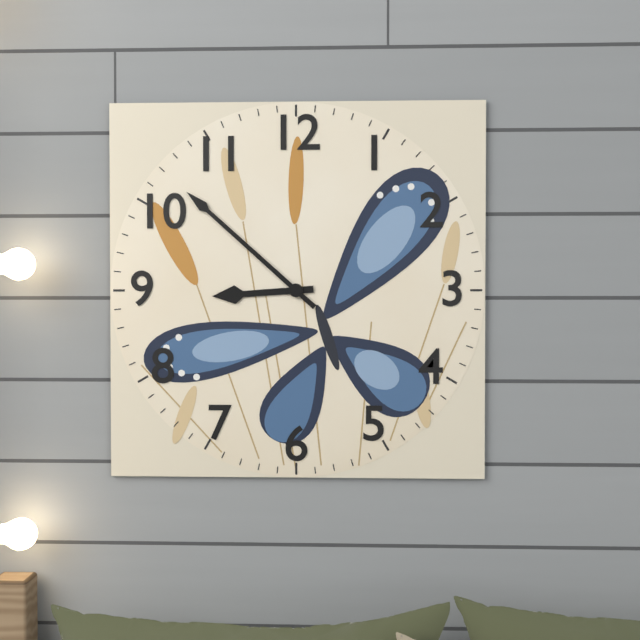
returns 8,52
